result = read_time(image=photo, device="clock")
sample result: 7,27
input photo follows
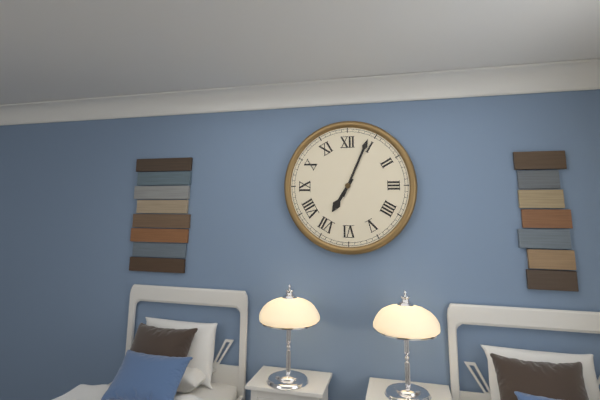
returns 7,04
